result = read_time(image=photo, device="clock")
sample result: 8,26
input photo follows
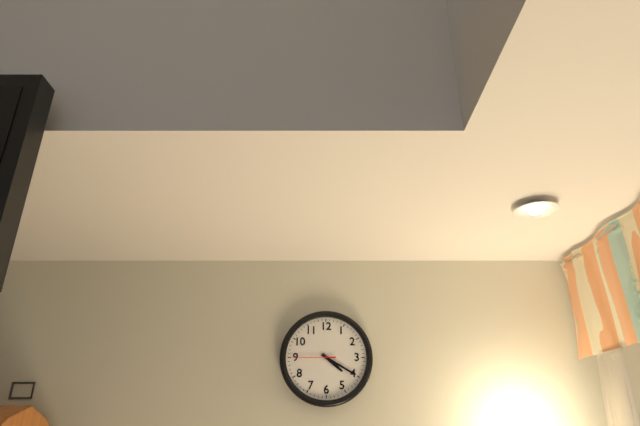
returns 4,20
